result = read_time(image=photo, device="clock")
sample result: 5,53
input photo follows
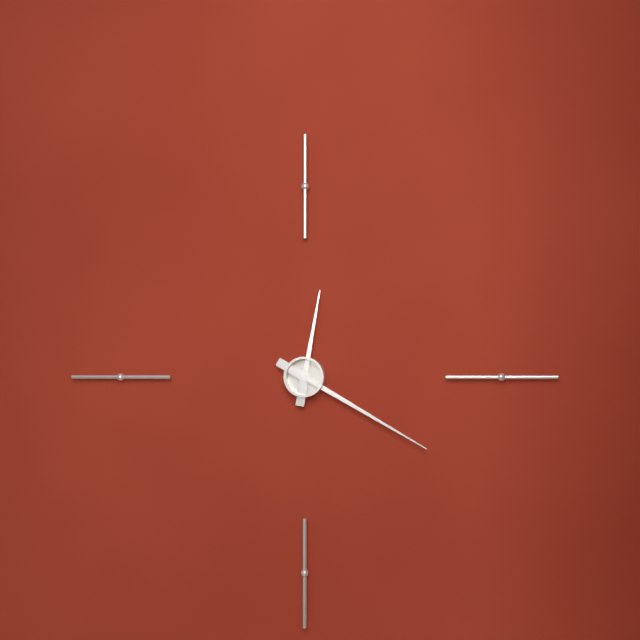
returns 12,20
